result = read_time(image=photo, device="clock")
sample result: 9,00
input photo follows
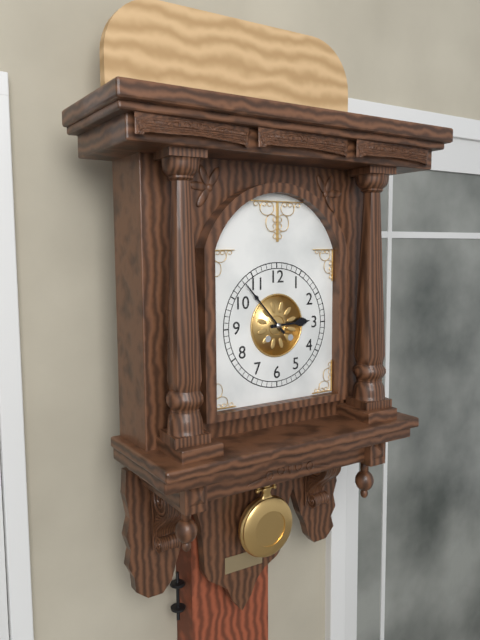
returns 2,53
